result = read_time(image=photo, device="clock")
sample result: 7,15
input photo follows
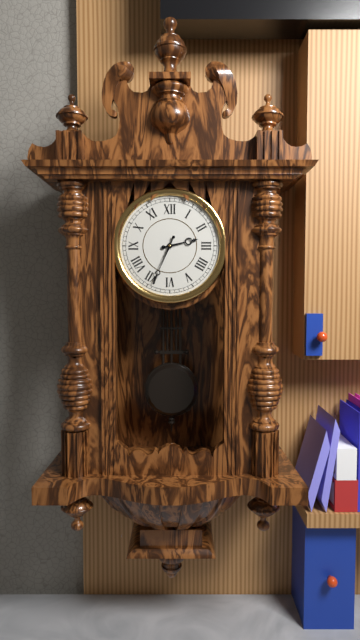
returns 2,34
